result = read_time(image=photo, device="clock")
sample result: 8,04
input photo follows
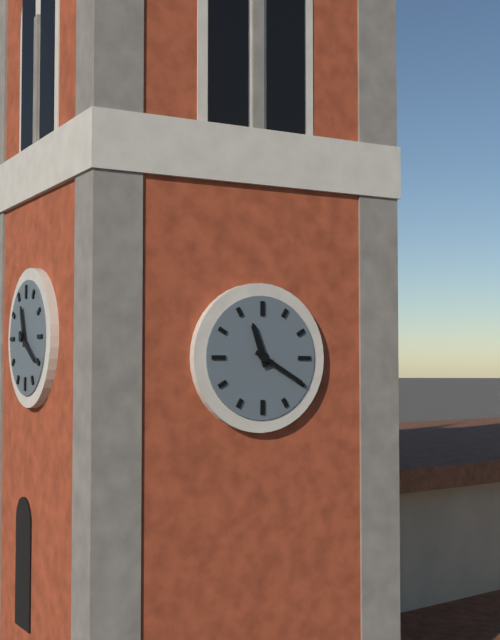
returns 11,20
